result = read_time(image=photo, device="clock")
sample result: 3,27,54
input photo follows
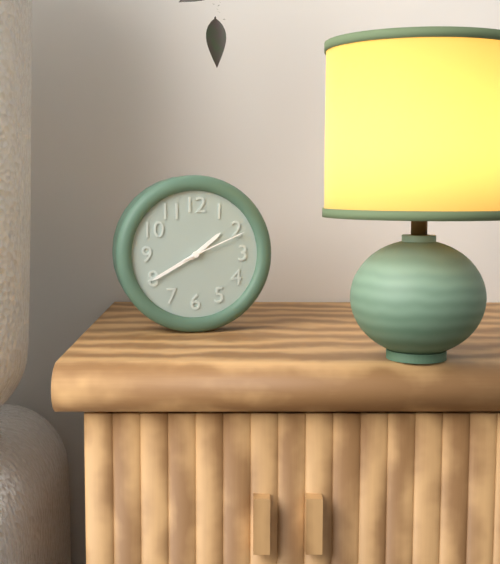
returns 1,40,11
